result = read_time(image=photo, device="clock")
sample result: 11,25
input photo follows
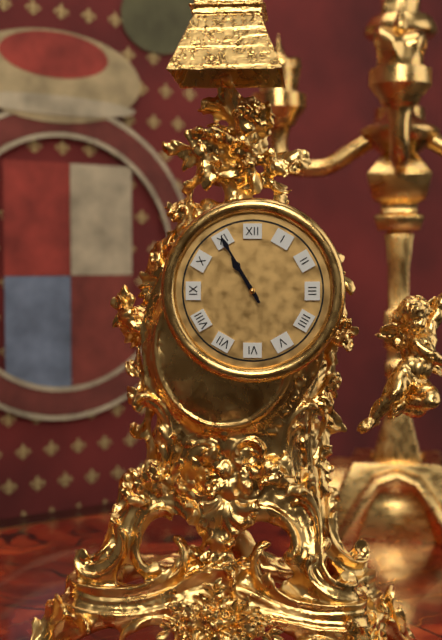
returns 10,55
